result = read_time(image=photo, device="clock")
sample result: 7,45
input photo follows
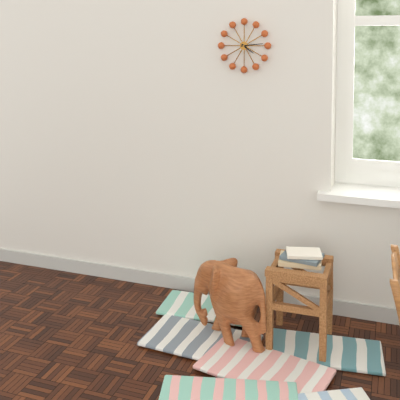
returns 4,14
